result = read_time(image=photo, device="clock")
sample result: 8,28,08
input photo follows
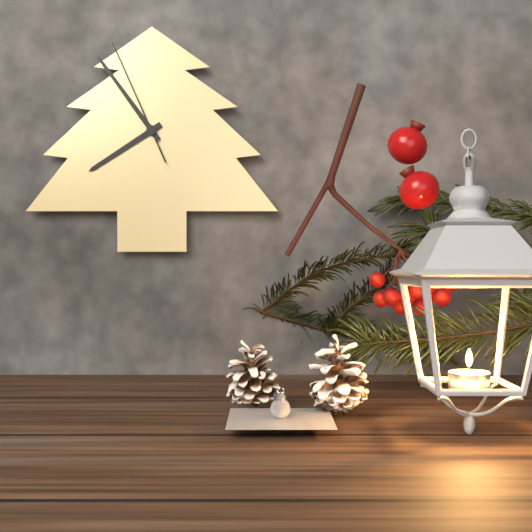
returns 7,54,56
